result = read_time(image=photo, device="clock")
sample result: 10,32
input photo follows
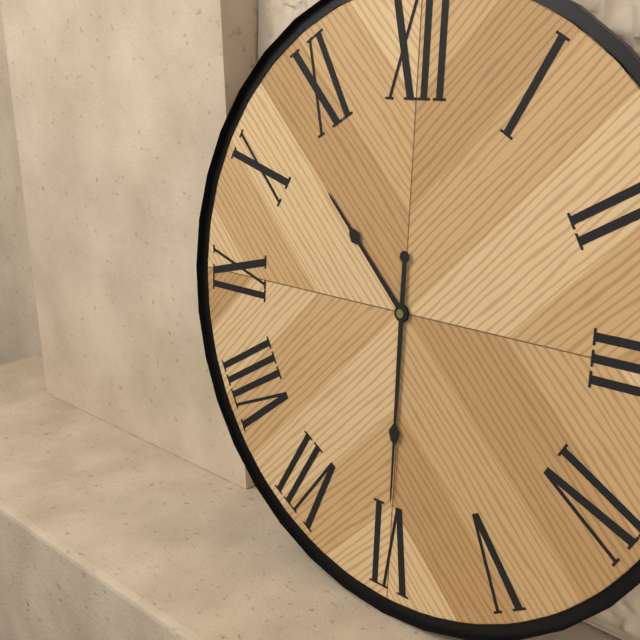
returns 10,30
